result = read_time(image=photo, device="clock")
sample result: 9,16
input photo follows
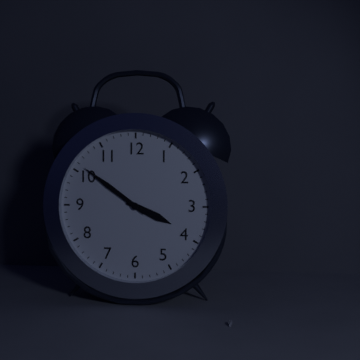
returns 3,51
